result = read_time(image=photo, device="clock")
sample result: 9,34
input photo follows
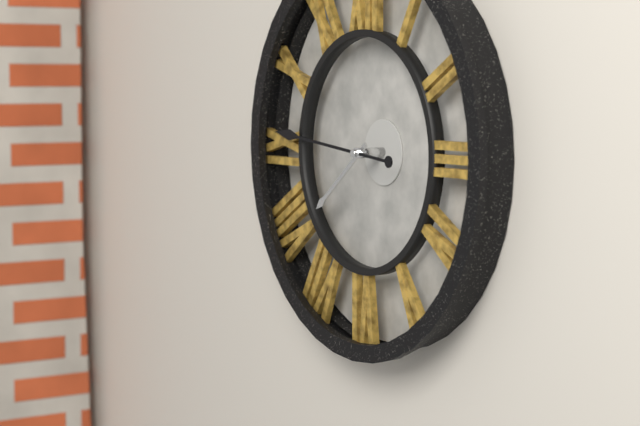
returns 7,46
